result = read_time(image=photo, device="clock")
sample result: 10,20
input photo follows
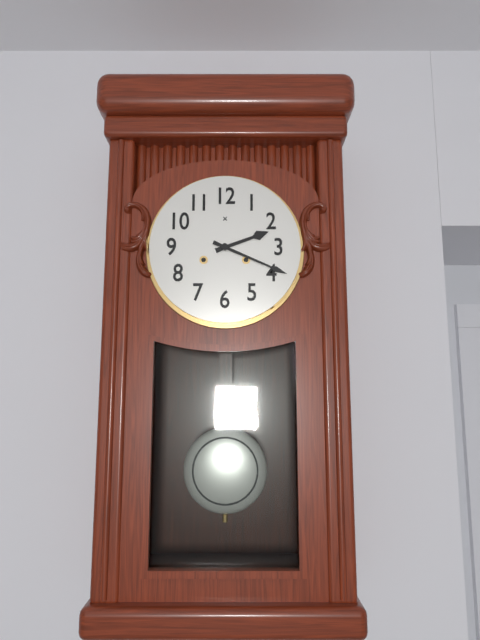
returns 2,19
